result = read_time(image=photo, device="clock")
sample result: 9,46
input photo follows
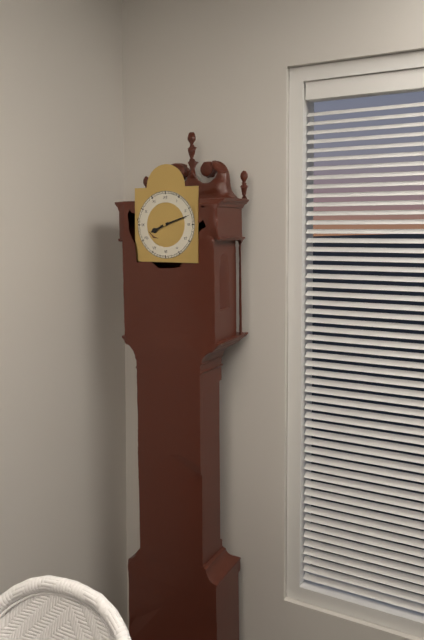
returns 8,12
